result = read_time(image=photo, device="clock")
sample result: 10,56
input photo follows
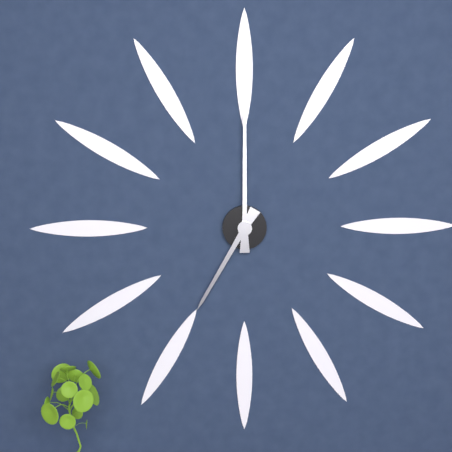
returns 7,00
